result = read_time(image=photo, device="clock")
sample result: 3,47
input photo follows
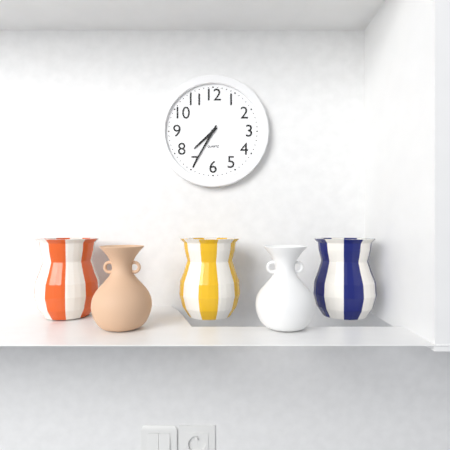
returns 7,35
